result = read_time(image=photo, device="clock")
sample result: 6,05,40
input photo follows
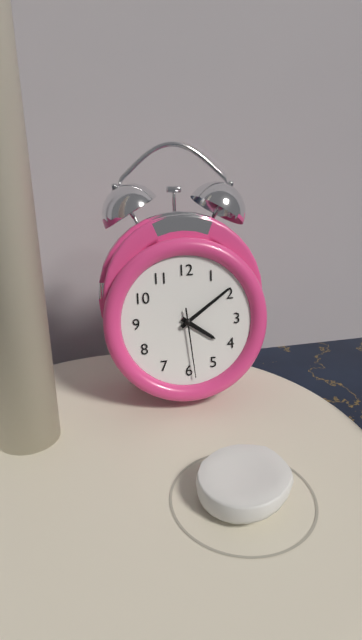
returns 4,09,29
